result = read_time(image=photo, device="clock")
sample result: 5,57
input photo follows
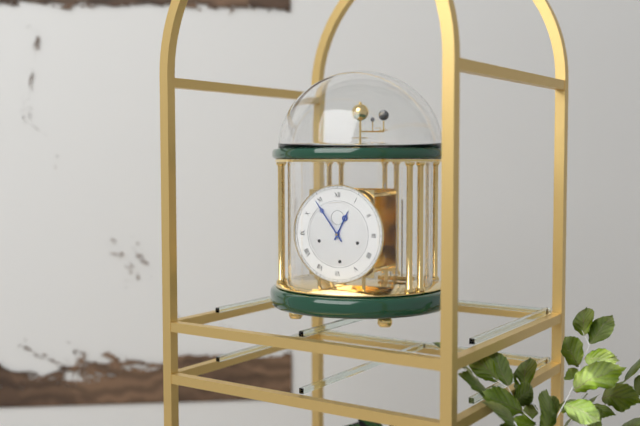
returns 12,54
